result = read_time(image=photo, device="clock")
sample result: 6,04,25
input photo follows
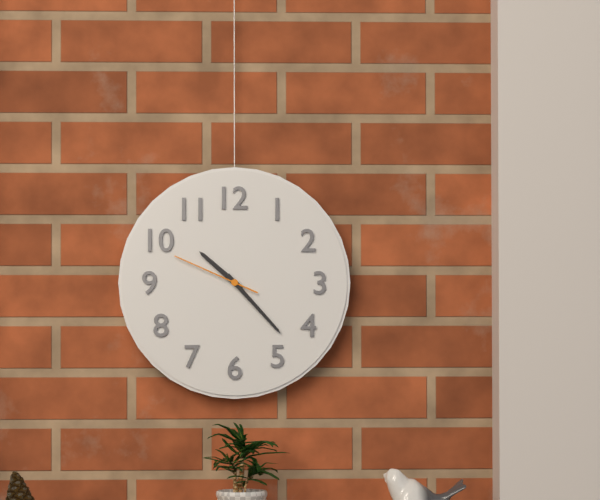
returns 10,23,49
